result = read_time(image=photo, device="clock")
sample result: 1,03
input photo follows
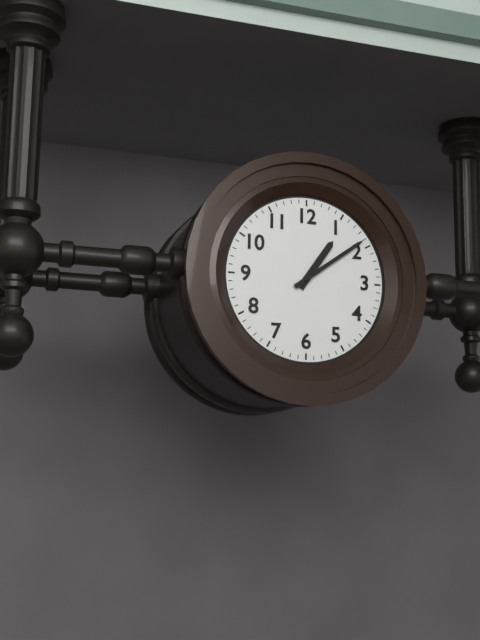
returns 1,09
